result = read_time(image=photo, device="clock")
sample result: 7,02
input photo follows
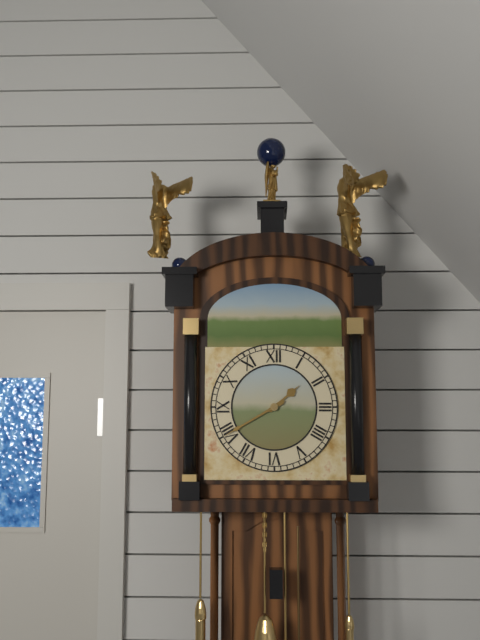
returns 1,40
